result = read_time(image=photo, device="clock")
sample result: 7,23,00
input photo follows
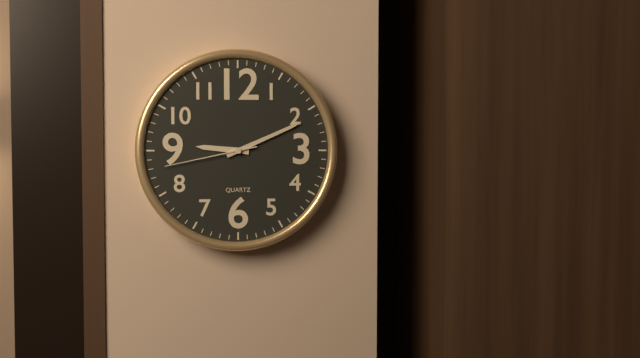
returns 9,11,43
